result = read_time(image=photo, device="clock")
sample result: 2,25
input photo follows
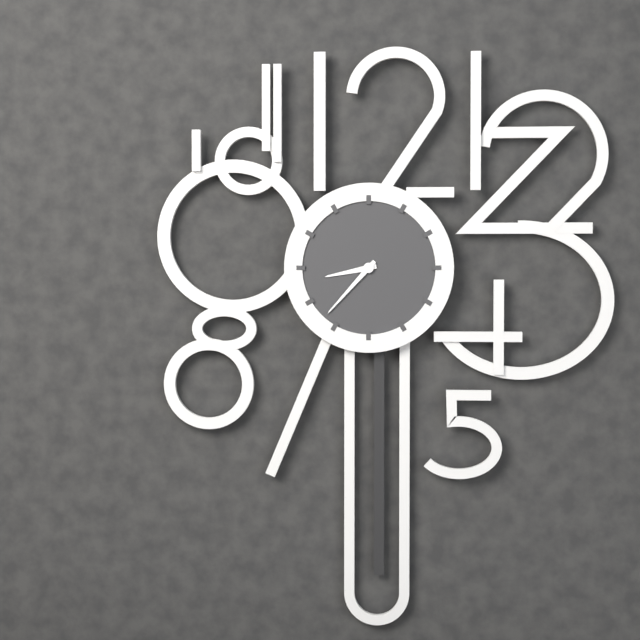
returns 8,37
